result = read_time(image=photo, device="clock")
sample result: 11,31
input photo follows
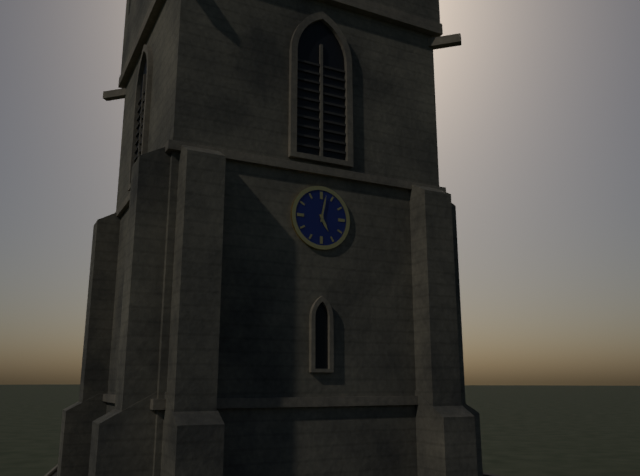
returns 5,02
